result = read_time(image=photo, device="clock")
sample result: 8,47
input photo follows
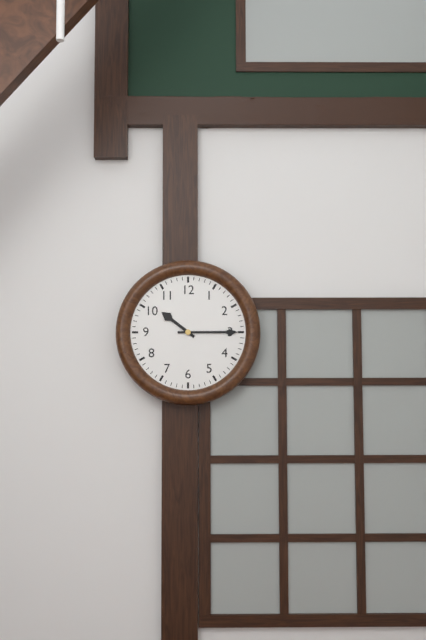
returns 10,15
